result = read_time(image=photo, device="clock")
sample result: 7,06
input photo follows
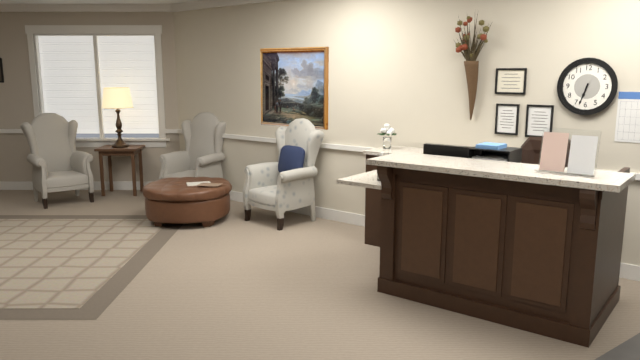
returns 6,33
